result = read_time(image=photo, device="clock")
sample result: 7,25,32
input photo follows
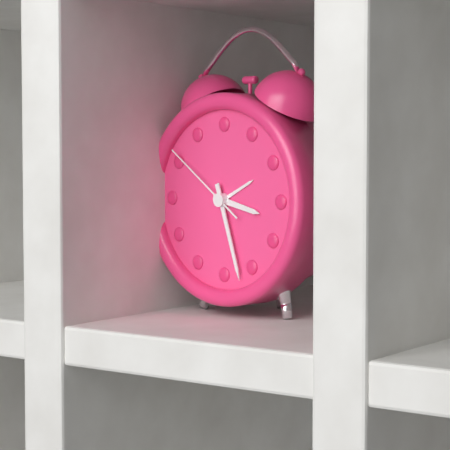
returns 3,27,51
